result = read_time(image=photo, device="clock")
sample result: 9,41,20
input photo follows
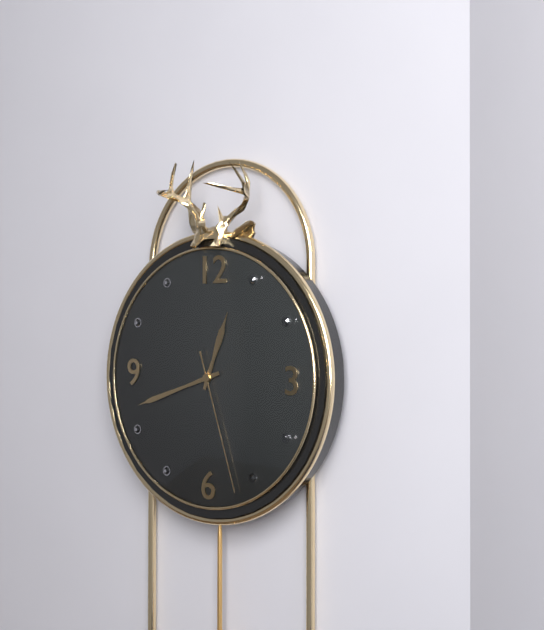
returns 12,42,27
